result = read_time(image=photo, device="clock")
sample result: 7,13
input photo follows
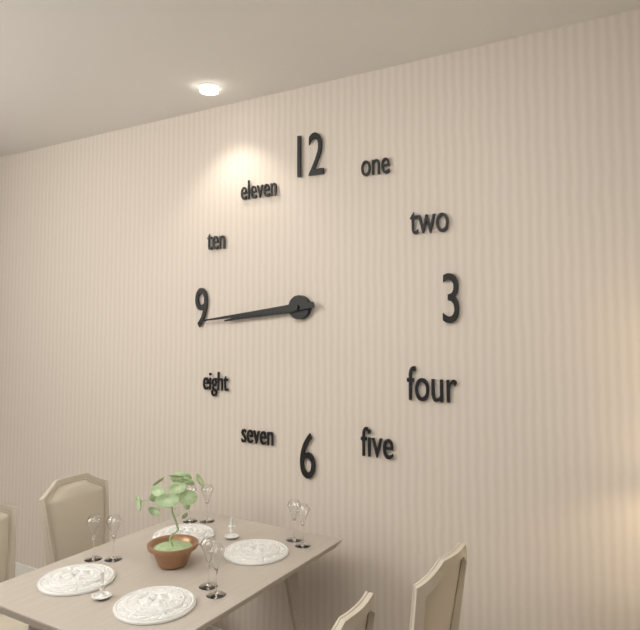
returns 8,44
